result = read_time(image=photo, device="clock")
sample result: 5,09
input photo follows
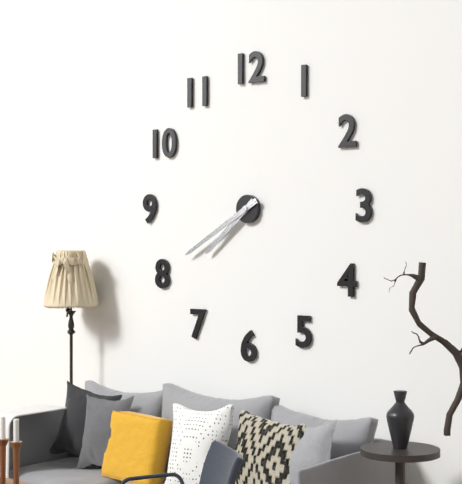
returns 7,40
